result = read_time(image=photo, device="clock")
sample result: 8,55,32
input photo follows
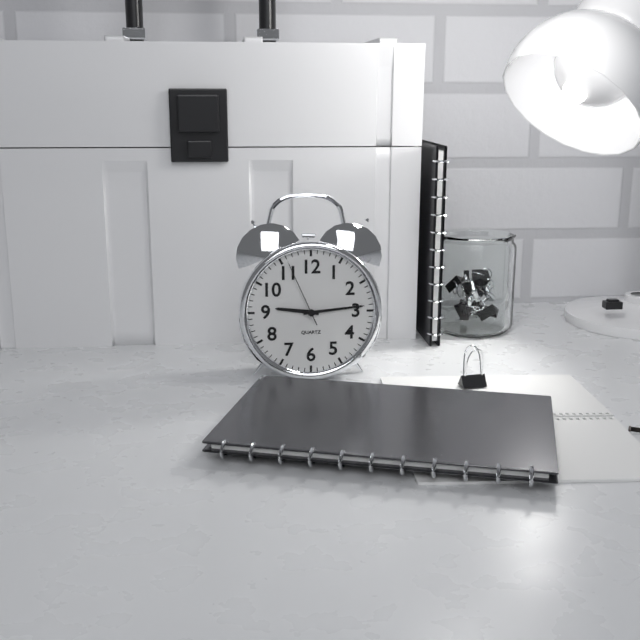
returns 9,14,56
